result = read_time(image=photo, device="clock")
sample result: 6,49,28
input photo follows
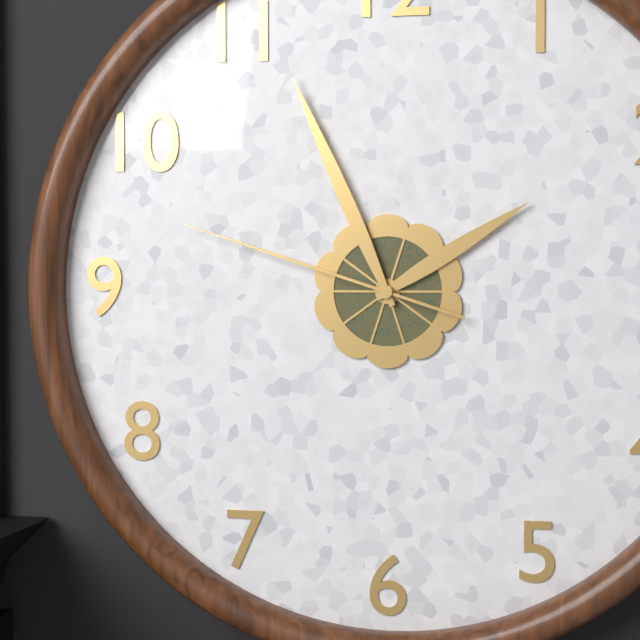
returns 1,56,48
